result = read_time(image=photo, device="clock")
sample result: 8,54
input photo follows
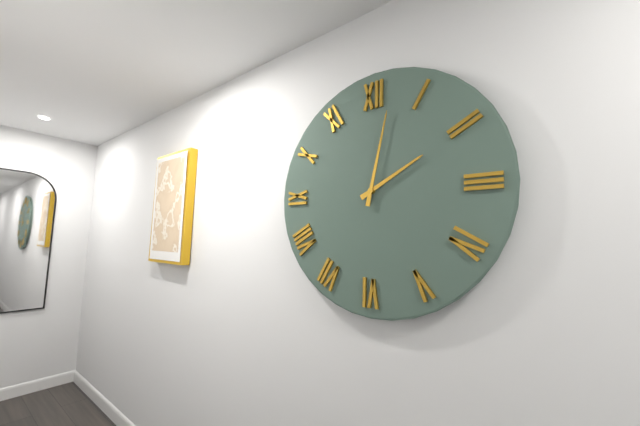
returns 2,02
